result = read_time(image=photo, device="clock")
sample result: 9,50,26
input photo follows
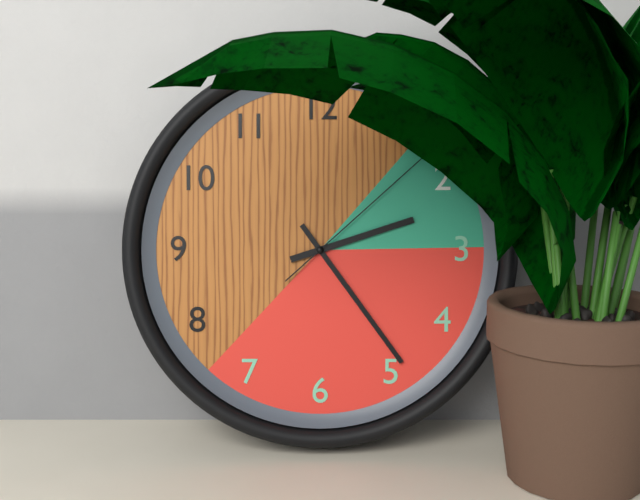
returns 2,24,08
